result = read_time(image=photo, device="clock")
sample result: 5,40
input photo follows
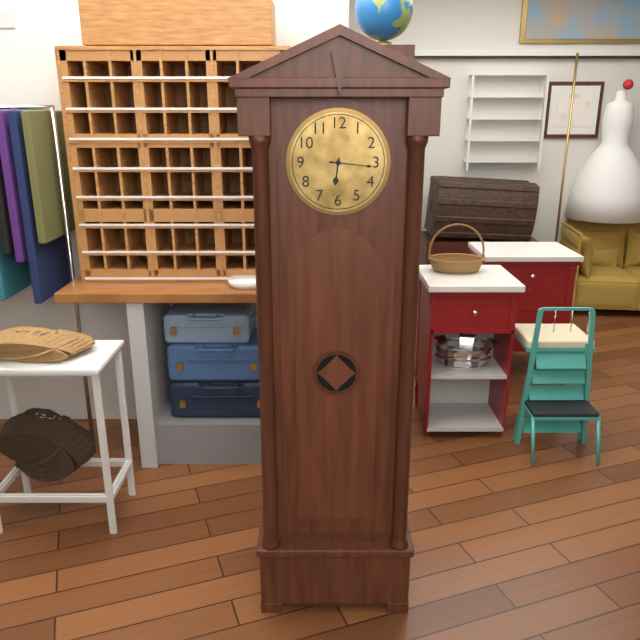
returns 6,16
